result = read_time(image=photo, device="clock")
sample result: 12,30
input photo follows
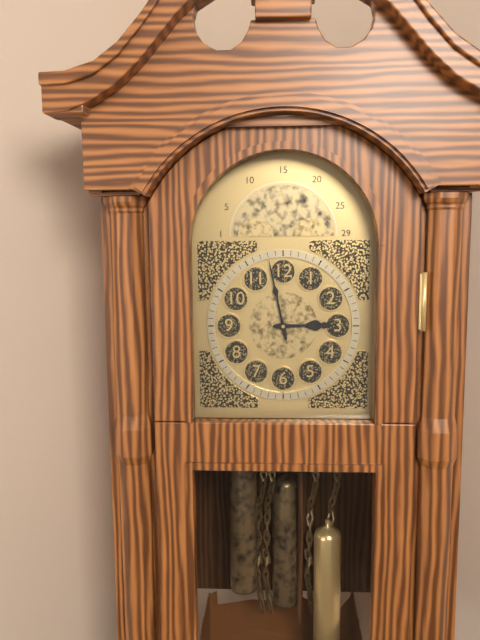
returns 2,58
